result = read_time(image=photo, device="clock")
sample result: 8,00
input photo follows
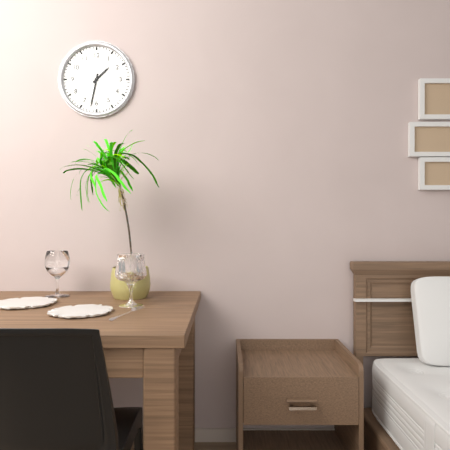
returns 1,32
